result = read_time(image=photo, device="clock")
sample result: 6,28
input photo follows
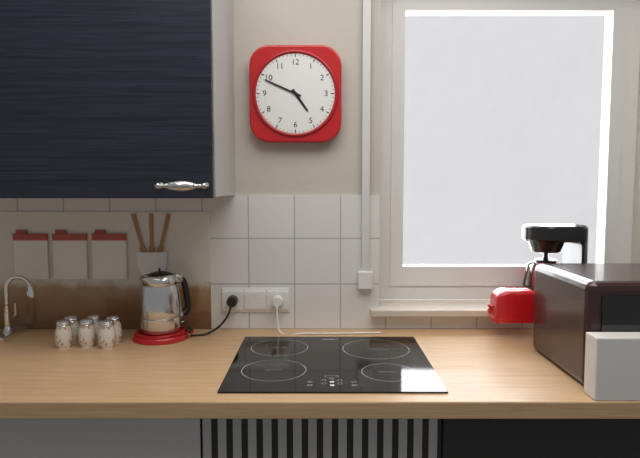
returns 4,49
